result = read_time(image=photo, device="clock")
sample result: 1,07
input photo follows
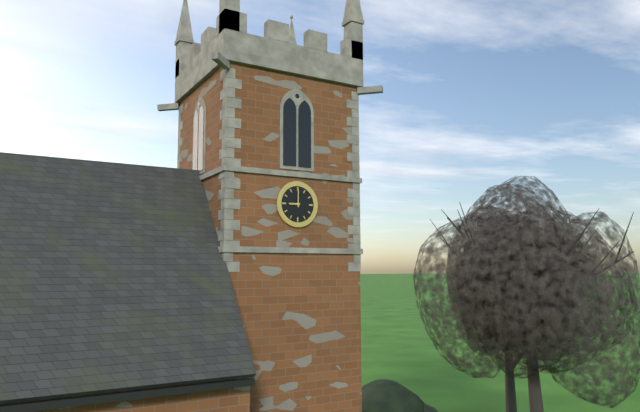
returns 9,00
